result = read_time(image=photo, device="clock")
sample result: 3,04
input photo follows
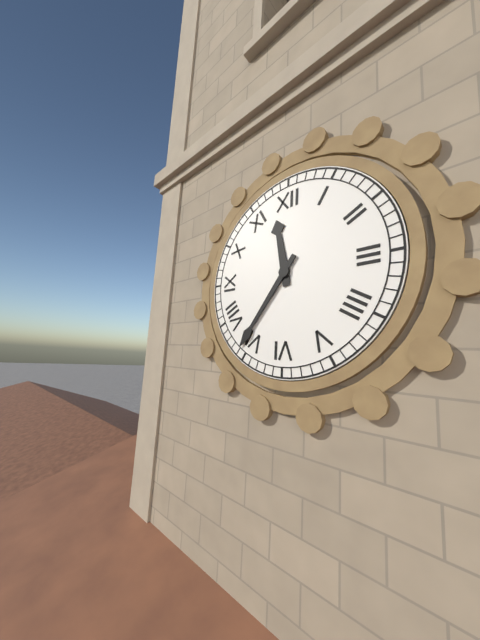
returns 11,36
